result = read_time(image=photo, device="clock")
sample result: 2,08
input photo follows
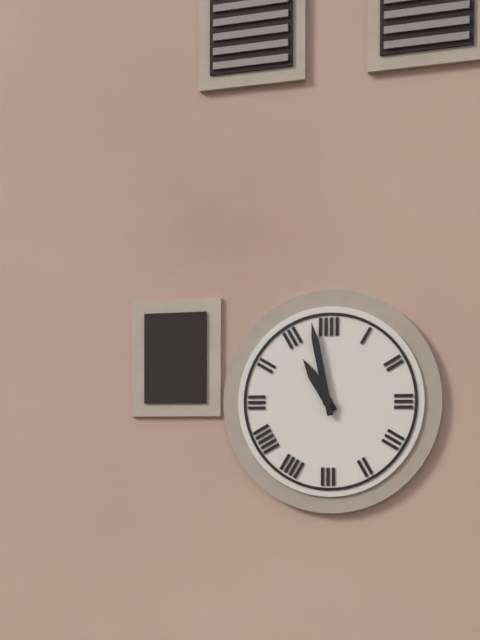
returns 10,58
